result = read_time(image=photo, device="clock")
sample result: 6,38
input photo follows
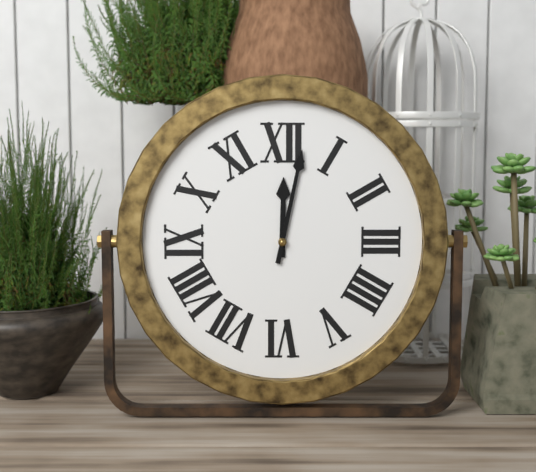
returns 12,02
